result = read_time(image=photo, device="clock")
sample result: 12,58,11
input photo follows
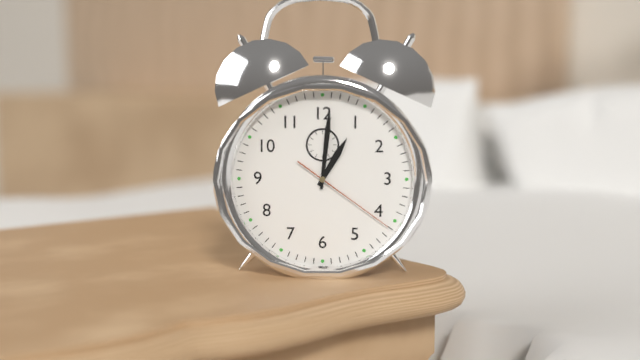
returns 1,01,21
